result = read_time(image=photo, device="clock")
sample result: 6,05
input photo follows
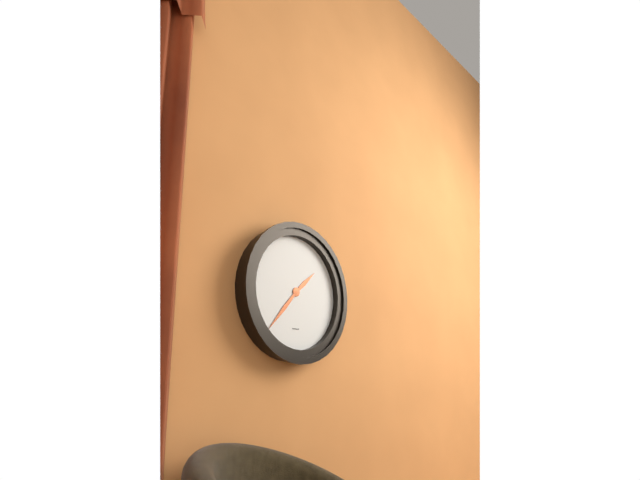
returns 1,37
